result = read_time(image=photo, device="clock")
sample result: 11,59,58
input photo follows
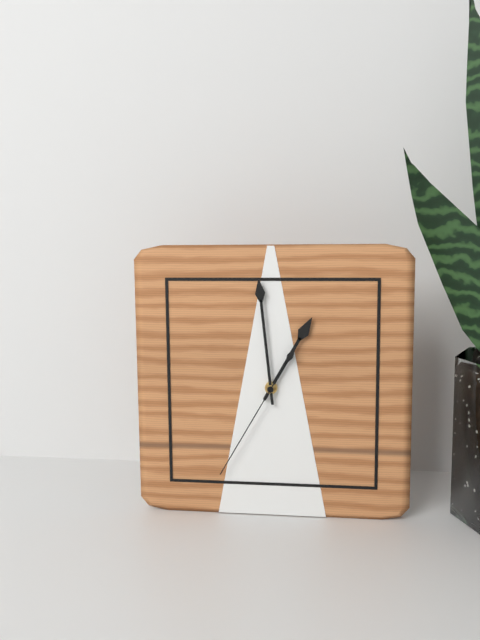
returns 12,59,35
